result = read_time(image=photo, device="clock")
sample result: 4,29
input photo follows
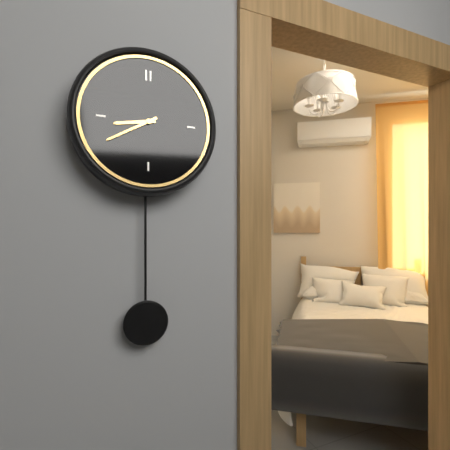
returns 8,40
